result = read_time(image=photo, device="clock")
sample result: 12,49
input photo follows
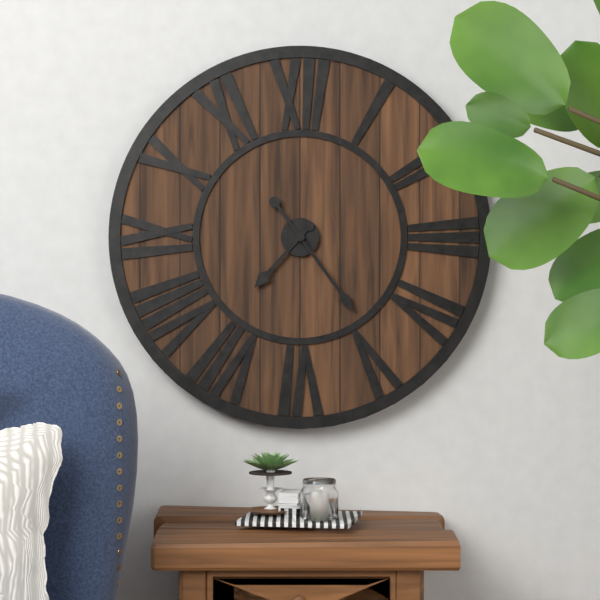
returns 7,24
